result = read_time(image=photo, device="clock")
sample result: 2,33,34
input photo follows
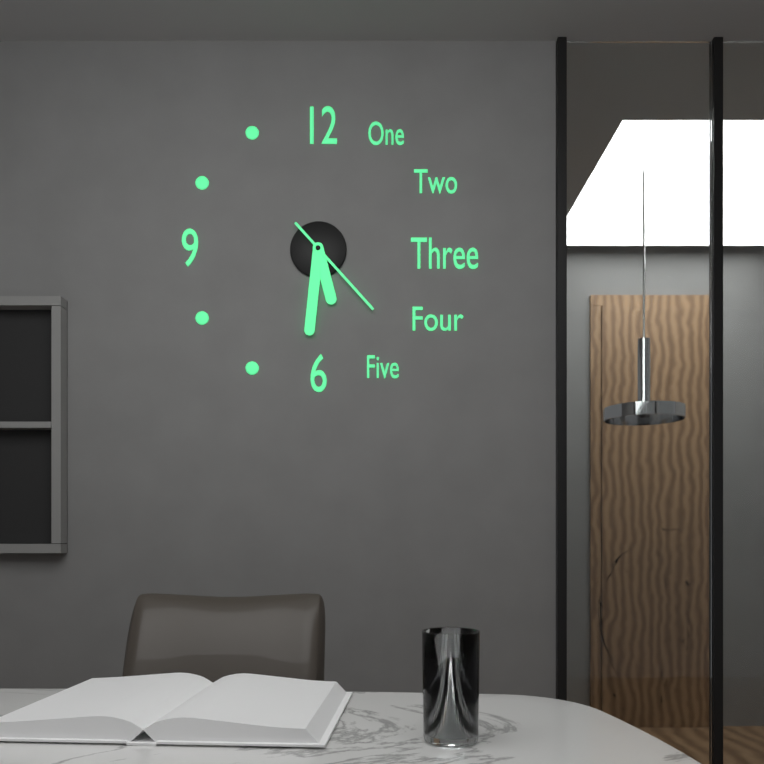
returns 5,31,23
